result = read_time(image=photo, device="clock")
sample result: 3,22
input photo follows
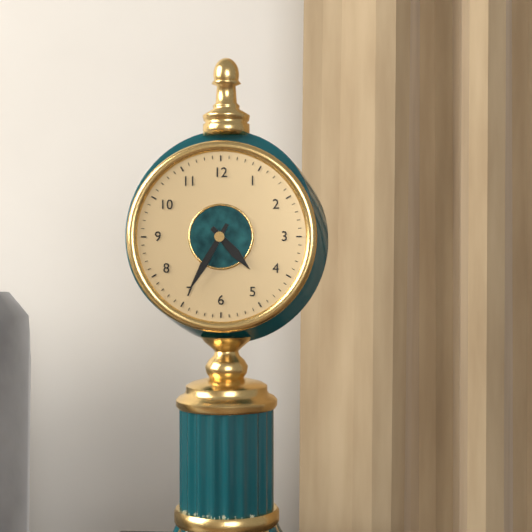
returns 4,35
